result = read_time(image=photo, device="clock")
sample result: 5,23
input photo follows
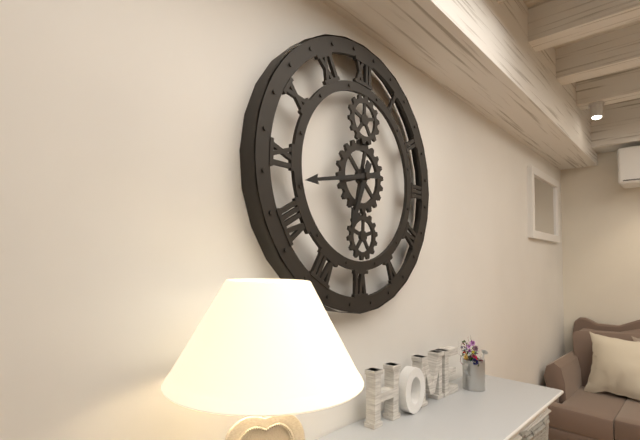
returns 6,43
